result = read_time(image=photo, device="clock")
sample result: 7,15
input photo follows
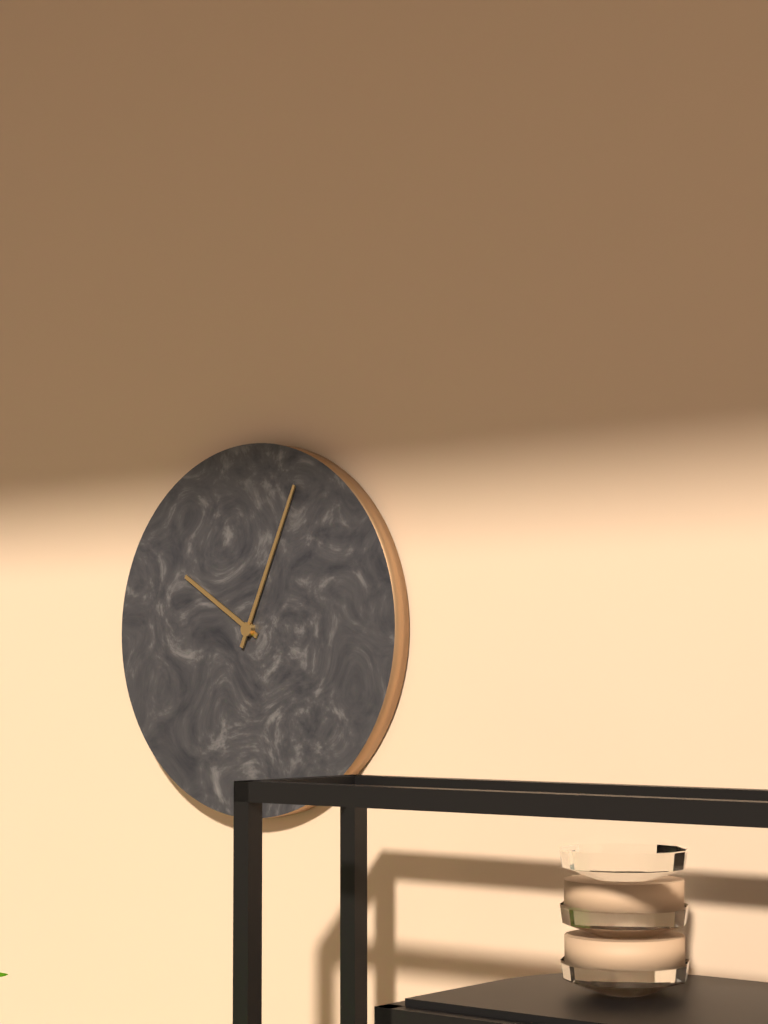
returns 10,04
